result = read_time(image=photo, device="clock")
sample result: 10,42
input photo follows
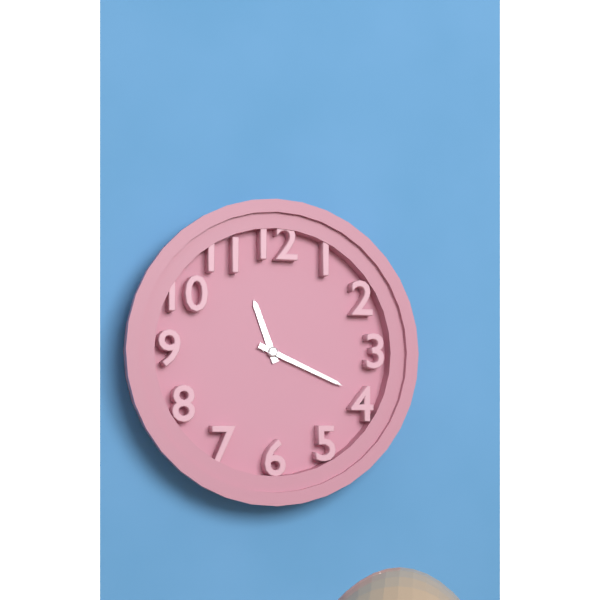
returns 11,19
